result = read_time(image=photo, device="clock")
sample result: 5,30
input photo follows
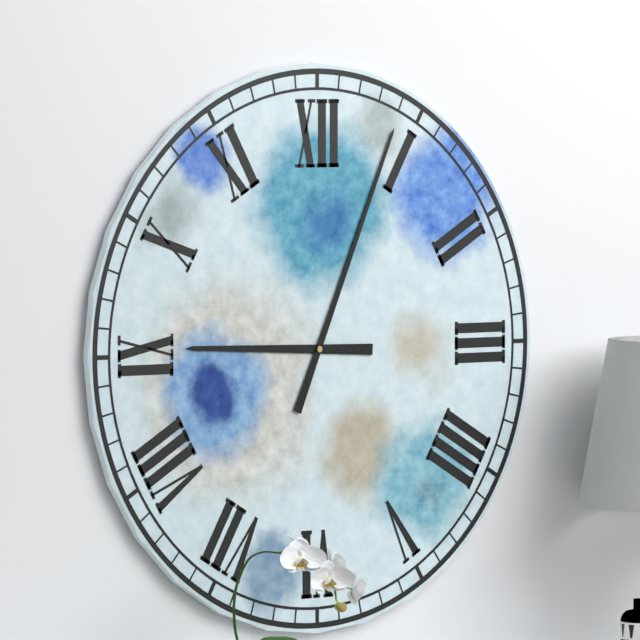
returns 9,04
